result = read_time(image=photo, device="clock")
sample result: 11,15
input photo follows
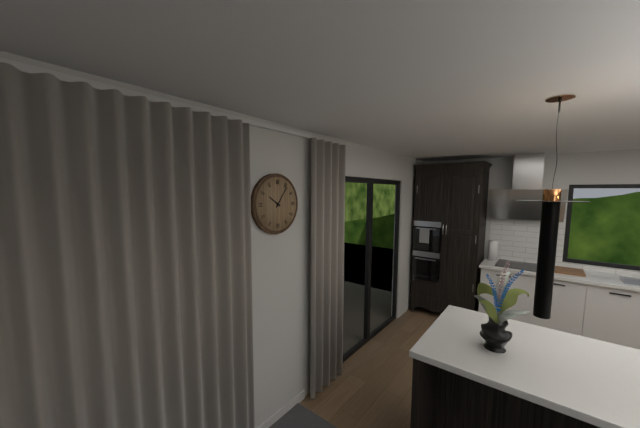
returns 10,06
